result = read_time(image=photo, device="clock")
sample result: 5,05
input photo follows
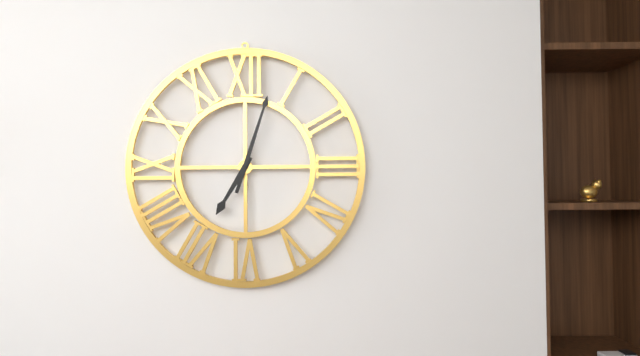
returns 7,03
